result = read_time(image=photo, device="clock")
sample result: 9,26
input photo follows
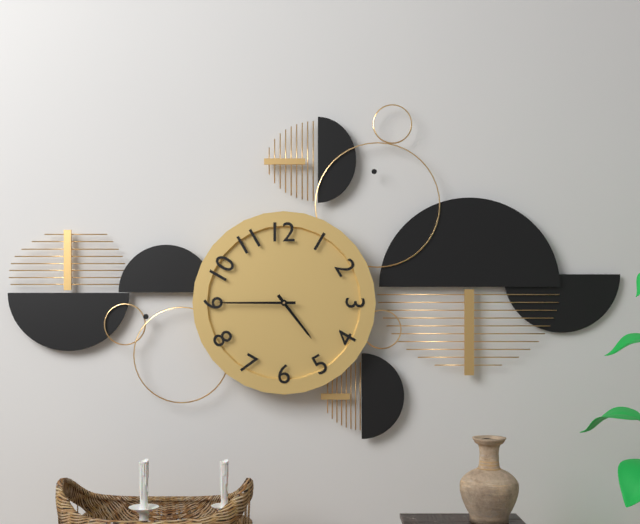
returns 4,45
